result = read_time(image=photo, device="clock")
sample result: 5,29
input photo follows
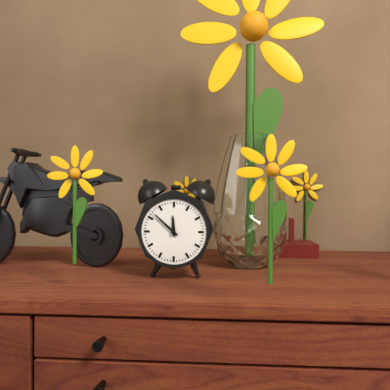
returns 11,52
